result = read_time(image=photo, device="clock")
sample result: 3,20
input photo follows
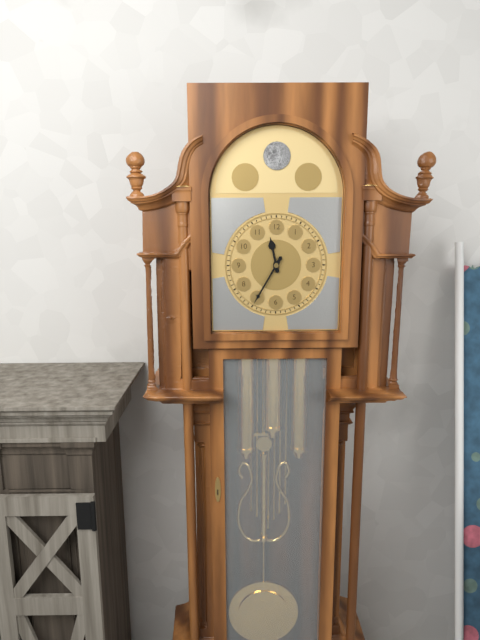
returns 11,35
